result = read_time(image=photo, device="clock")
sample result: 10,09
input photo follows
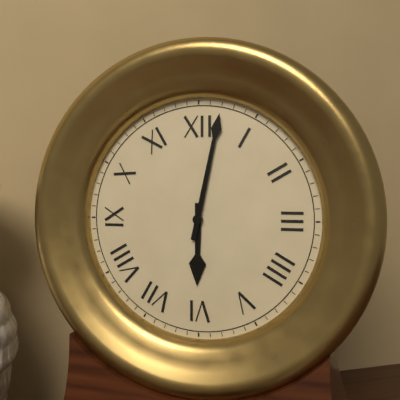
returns 6,02
